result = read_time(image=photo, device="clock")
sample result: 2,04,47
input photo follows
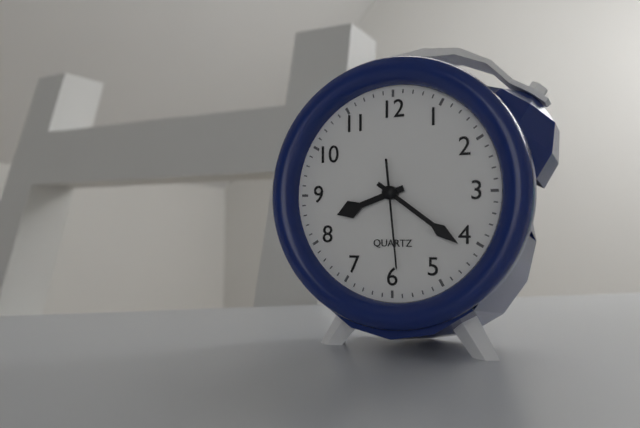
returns 8,21,29
